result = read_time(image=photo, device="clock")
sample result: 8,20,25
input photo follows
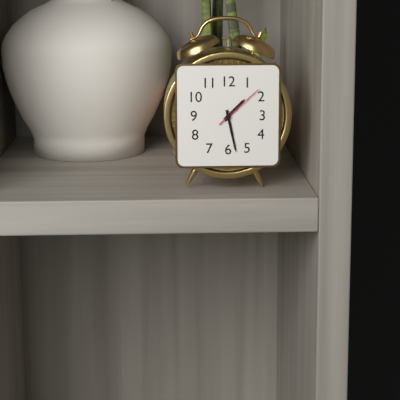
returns 1,28,08
